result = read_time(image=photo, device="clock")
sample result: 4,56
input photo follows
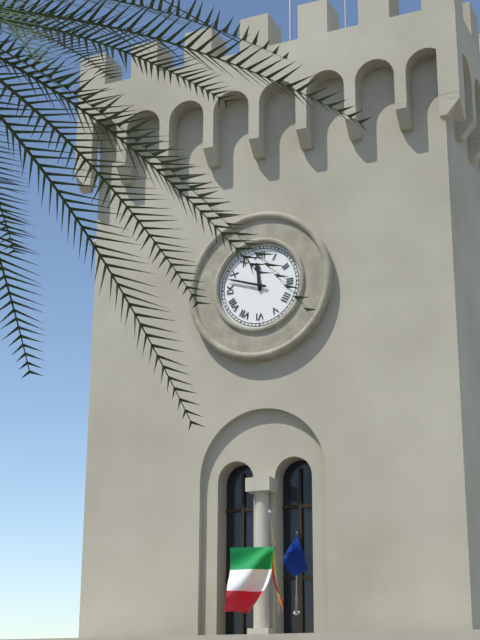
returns 11,48
